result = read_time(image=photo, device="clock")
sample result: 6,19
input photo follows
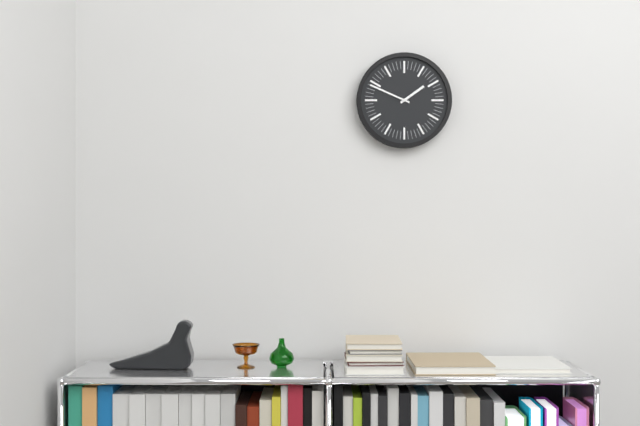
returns 1,49
